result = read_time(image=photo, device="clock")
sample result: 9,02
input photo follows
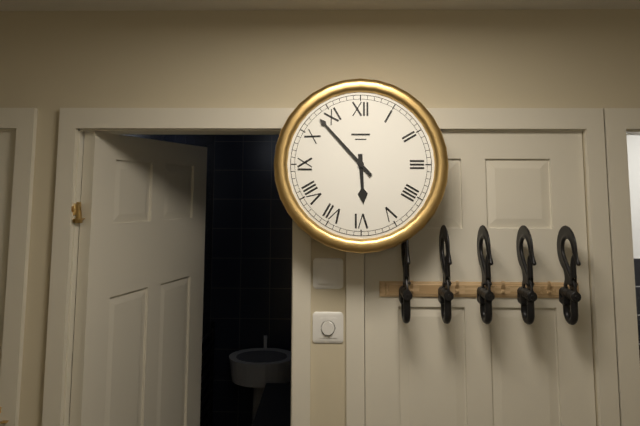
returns 5,53
